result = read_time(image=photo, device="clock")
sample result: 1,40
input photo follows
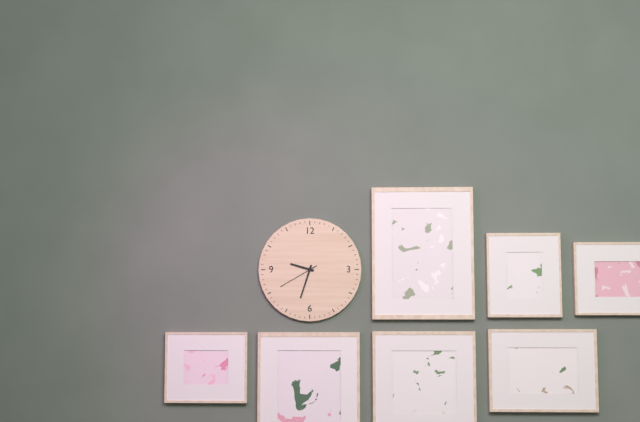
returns 9,33
